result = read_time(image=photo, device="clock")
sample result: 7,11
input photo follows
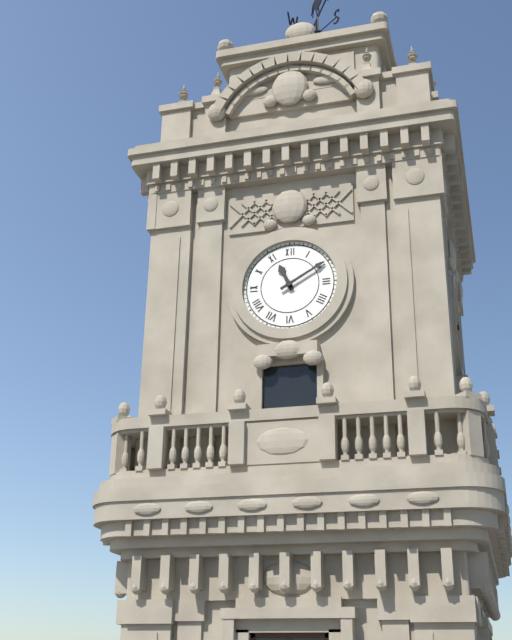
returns 11,10
